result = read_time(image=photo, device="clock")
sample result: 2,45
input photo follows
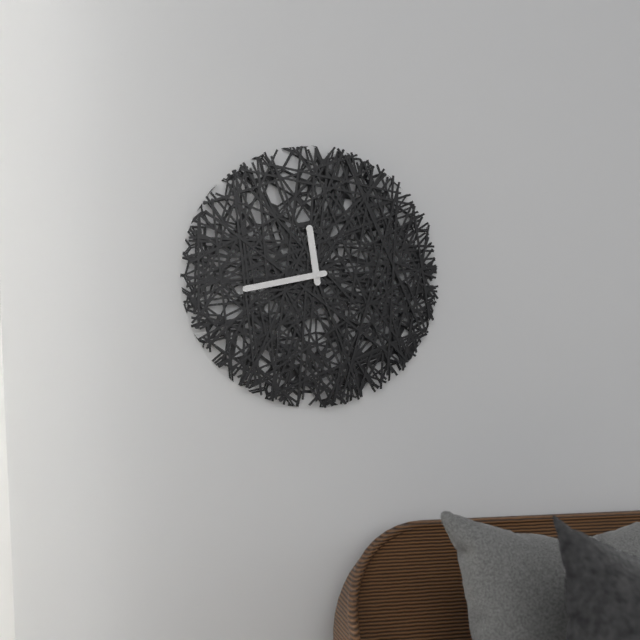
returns 11,43
